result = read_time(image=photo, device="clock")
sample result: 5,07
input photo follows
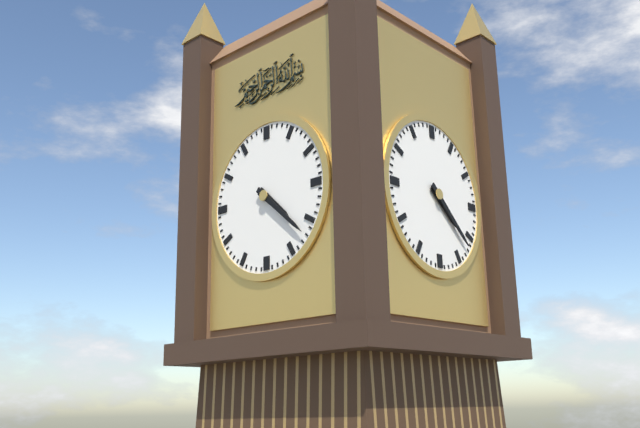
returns 4,22
